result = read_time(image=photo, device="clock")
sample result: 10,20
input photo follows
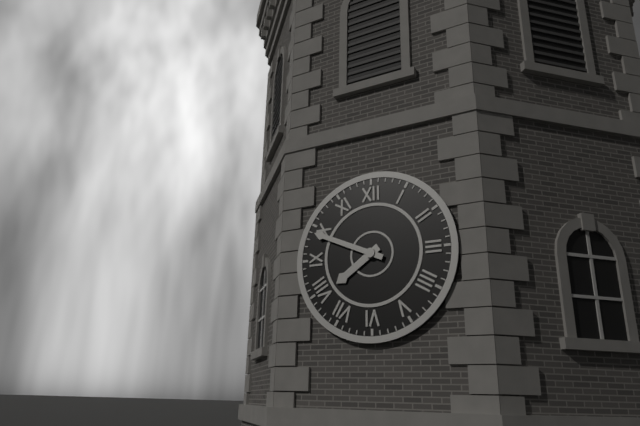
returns 7,49
